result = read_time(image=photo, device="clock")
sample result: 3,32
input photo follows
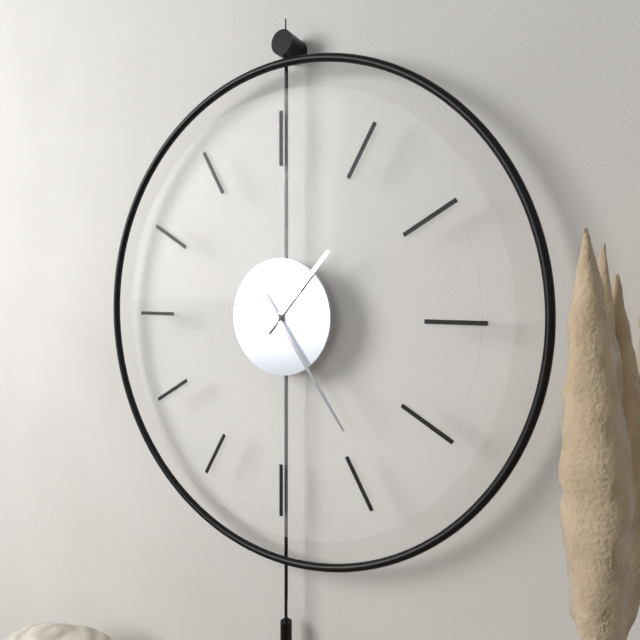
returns 1,24
